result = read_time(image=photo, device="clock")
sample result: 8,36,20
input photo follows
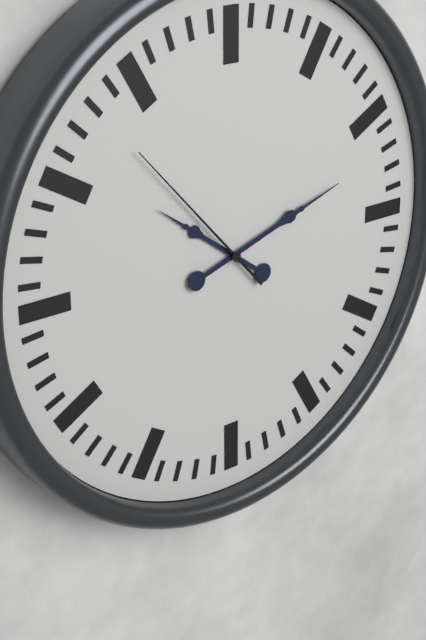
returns 10,12,53
